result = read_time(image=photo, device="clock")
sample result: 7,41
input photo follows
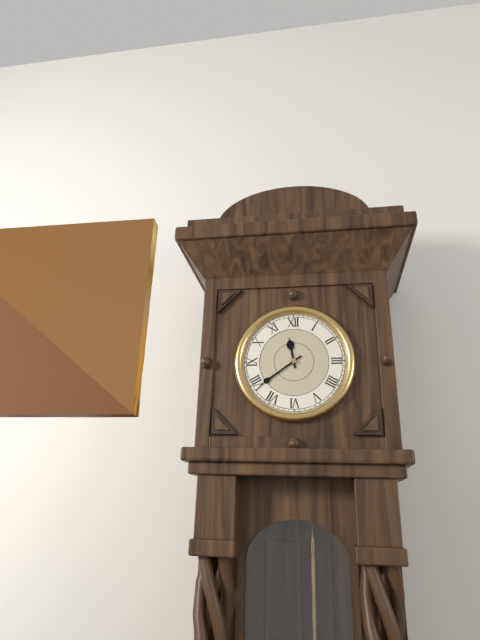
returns 11,39
